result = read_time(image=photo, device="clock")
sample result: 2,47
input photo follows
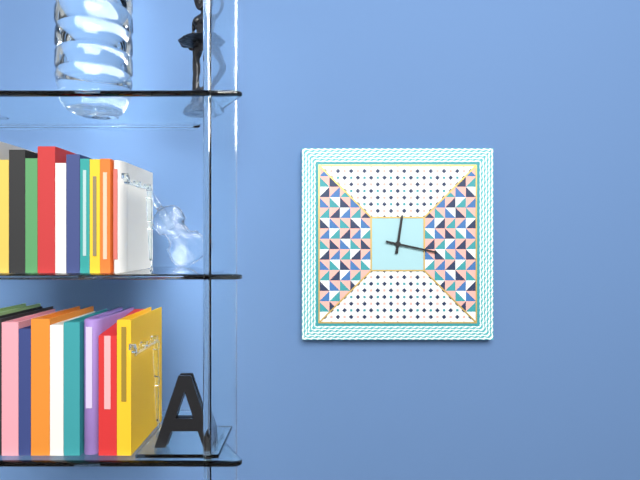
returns 12,17
